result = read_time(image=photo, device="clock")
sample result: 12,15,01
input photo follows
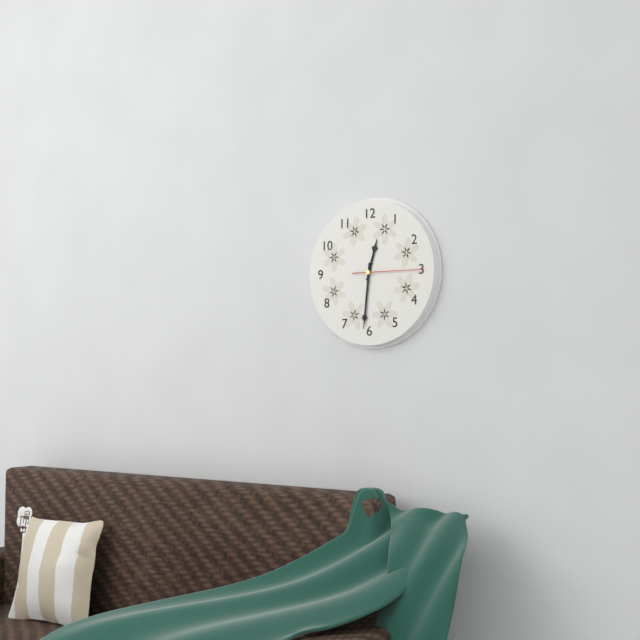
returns 12,31,15
